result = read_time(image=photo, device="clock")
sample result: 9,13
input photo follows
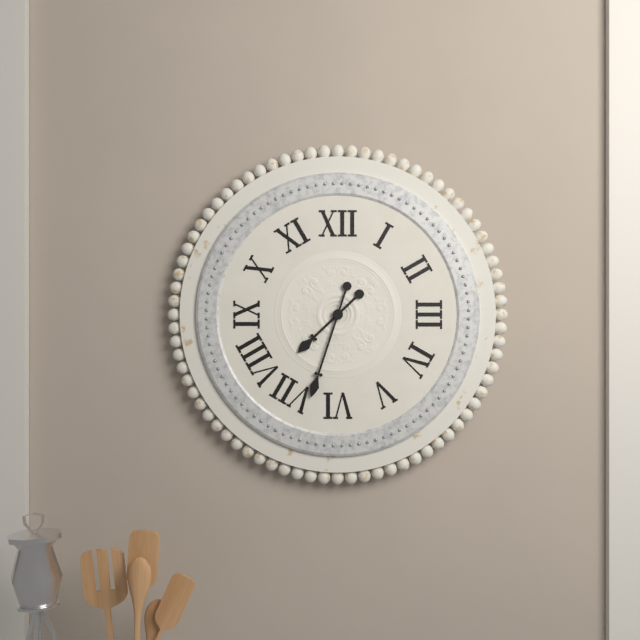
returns 7,33
